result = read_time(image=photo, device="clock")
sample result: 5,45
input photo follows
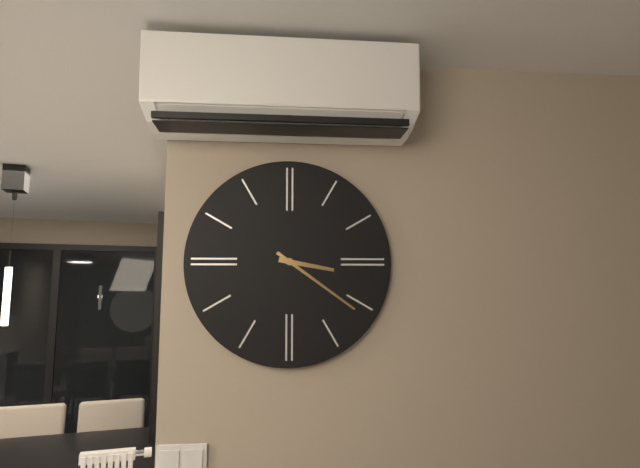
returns 3,21
